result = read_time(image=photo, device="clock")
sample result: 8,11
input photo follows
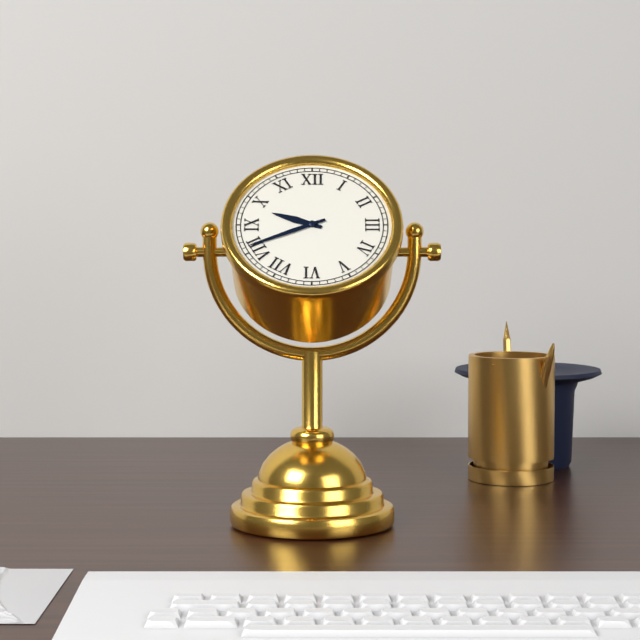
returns 9,41
